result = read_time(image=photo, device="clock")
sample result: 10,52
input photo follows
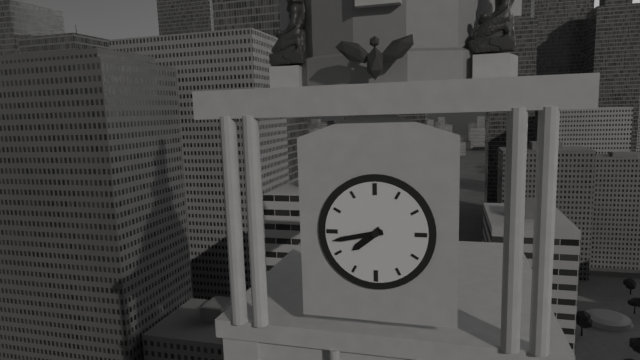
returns 7,43
